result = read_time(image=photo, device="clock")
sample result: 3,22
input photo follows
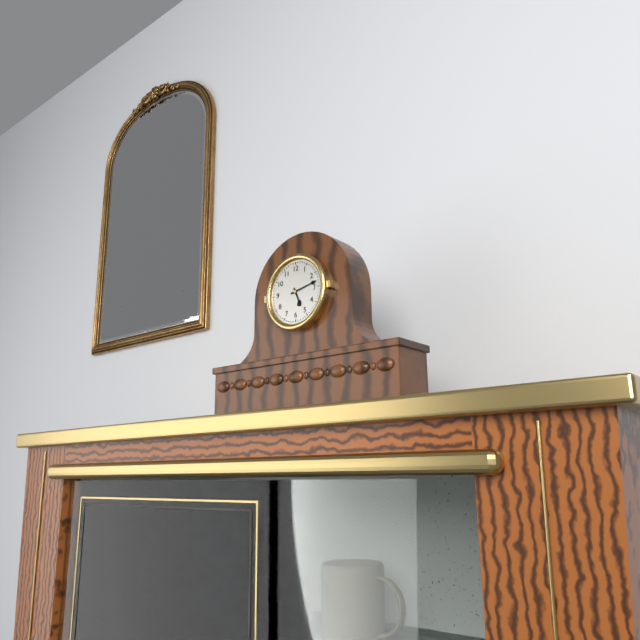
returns 5,13
